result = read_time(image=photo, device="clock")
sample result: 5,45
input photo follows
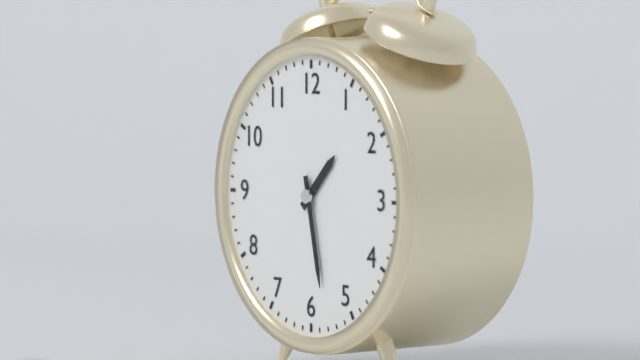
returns 1,28
